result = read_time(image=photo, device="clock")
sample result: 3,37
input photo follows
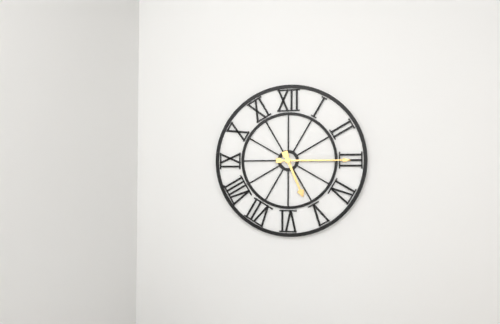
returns 5,15
